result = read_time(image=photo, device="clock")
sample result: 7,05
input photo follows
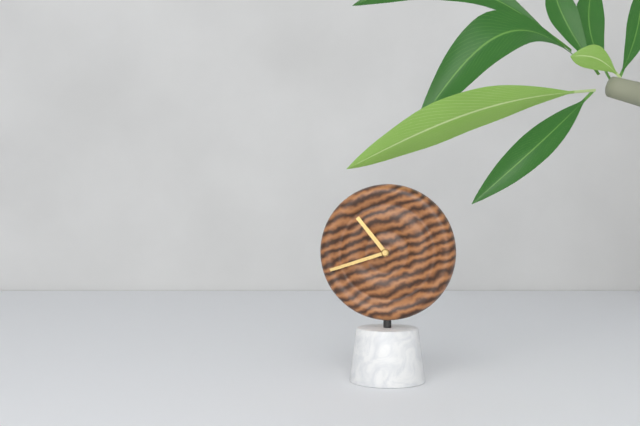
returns 10,42
